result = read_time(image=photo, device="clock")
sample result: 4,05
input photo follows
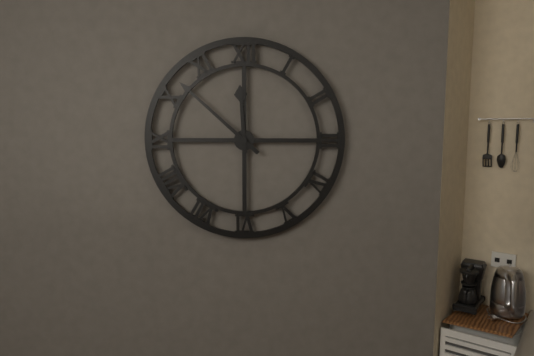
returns 11,52
